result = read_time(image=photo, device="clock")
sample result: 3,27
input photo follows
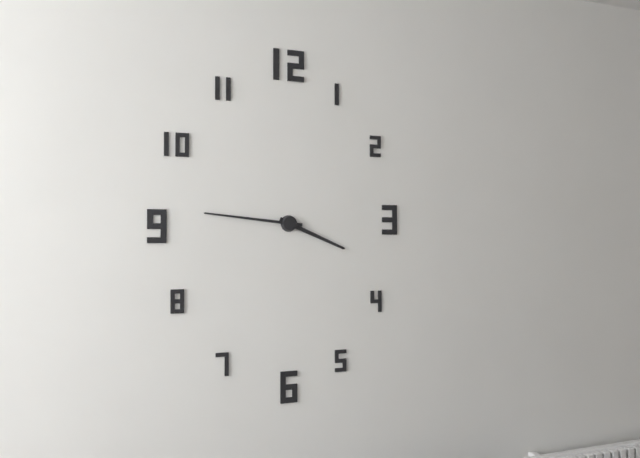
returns 3,46
